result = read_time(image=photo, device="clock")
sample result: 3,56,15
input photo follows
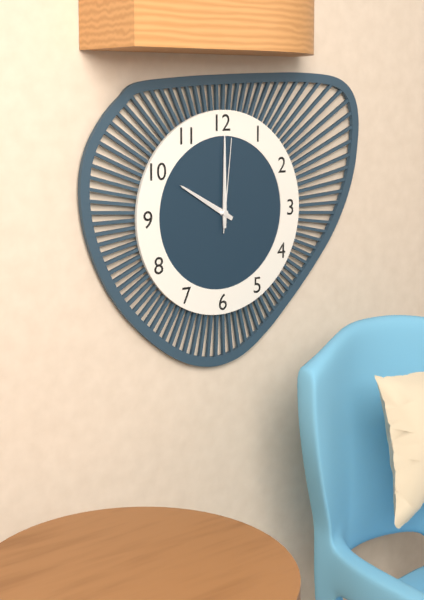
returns 10,00,01
